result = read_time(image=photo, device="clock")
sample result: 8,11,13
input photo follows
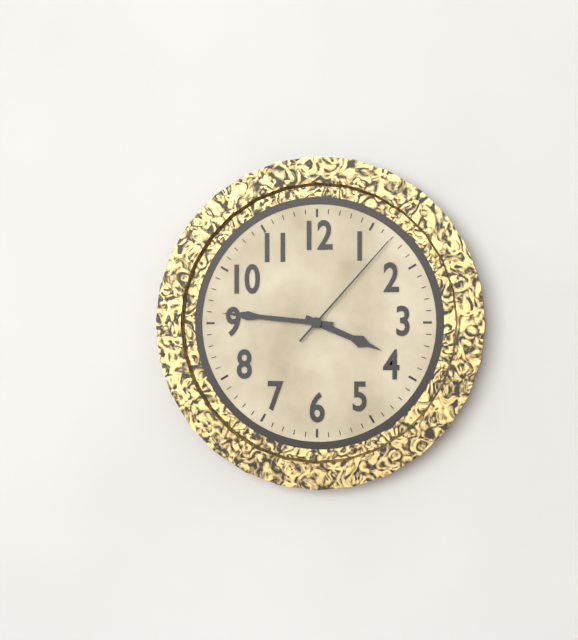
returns 3,46,07
